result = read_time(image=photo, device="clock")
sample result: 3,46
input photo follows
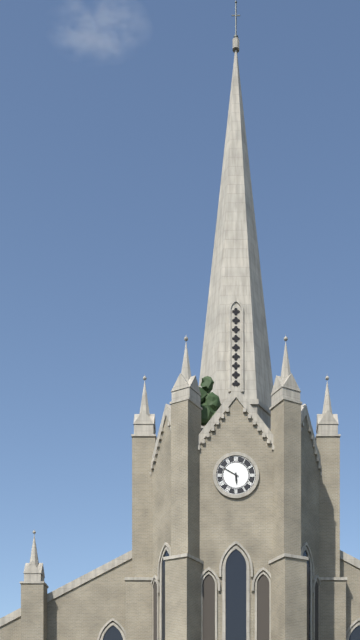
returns 5,50
